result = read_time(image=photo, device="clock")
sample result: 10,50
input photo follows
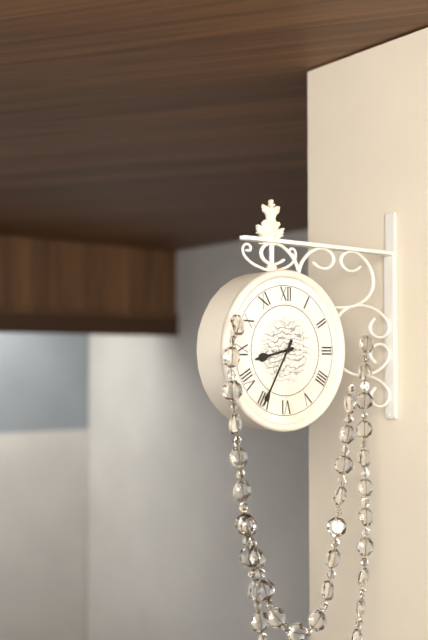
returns 8,35
